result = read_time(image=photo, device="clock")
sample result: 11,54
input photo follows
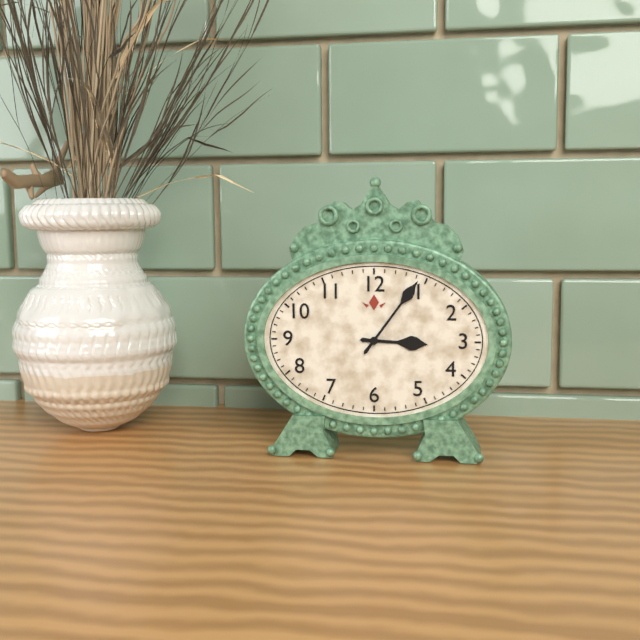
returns 3,06
